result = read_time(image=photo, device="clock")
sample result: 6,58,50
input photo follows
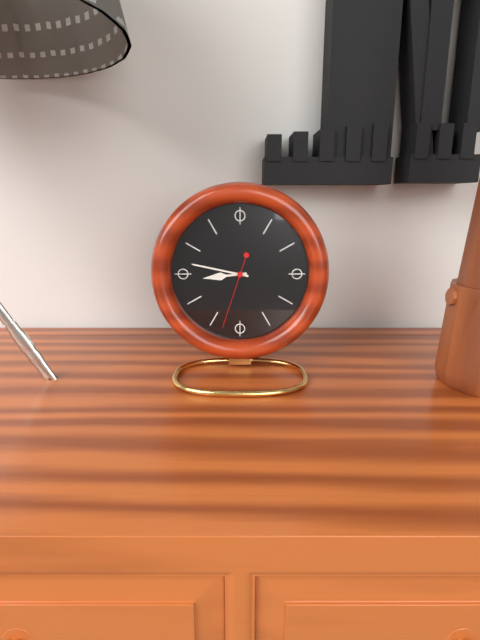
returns 8,47,33
